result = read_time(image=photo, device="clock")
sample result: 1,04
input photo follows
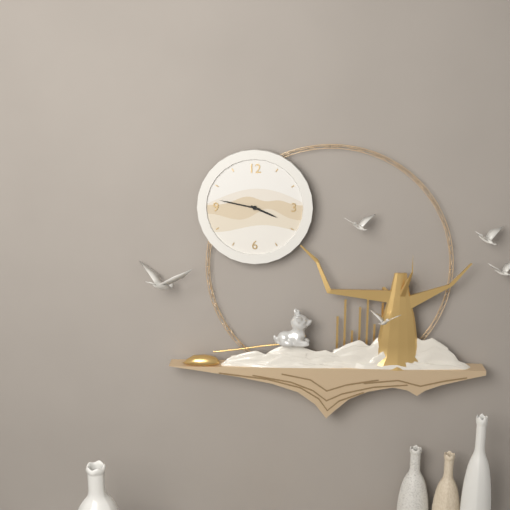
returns 3,47
